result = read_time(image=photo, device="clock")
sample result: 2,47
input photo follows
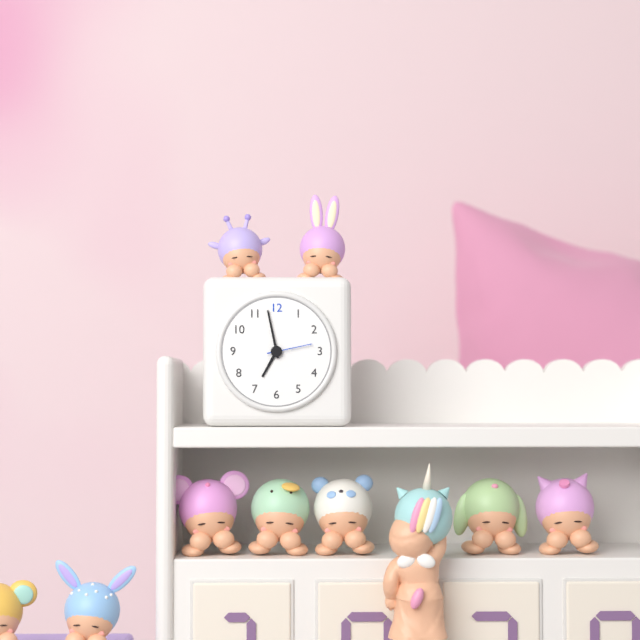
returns 6,58
